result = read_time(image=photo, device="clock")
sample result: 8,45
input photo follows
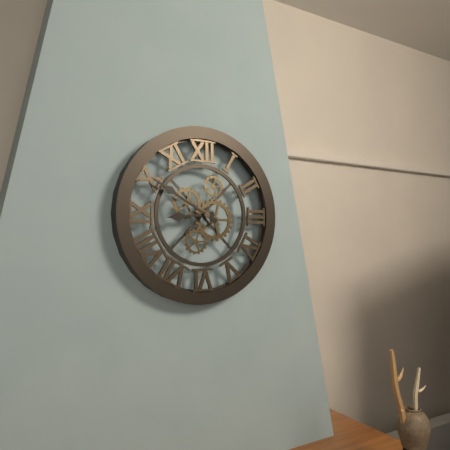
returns 8,50
